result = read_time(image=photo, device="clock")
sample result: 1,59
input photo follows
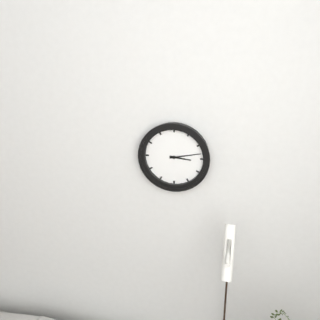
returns 3,13
